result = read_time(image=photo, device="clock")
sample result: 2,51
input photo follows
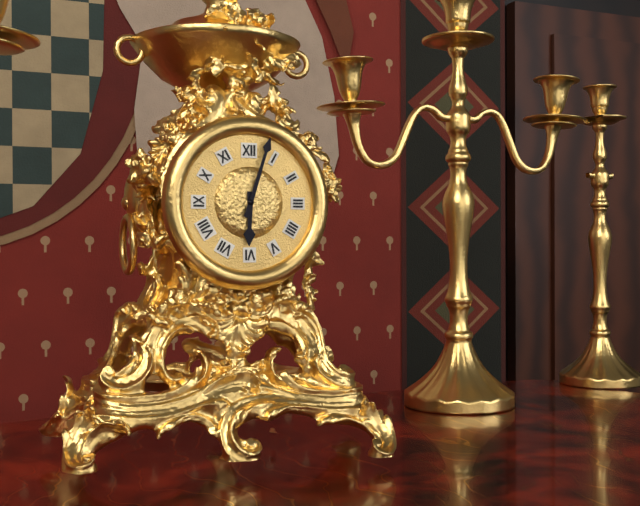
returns 6,03
